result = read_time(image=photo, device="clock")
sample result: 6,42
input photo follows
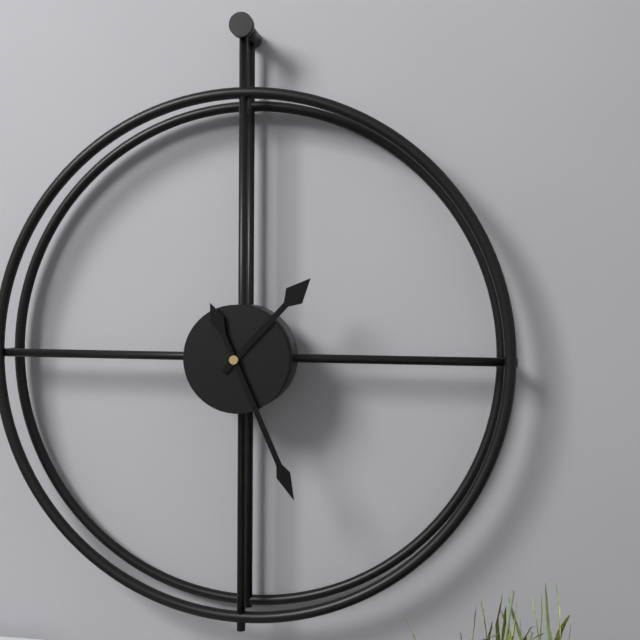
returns 1,26
